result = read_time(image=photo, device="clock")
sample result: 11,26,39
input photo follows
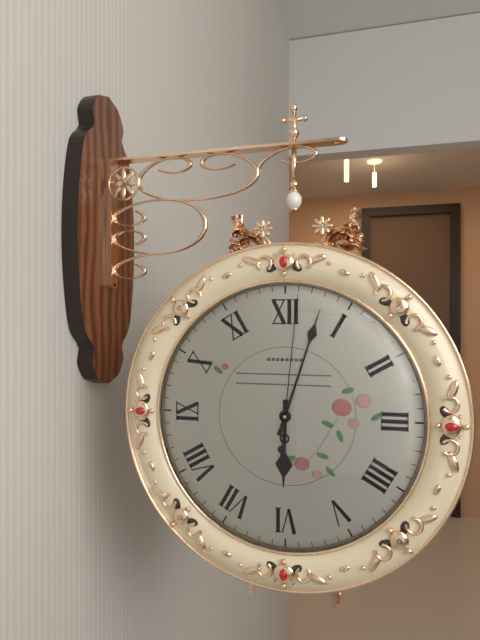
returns 6,03,01
